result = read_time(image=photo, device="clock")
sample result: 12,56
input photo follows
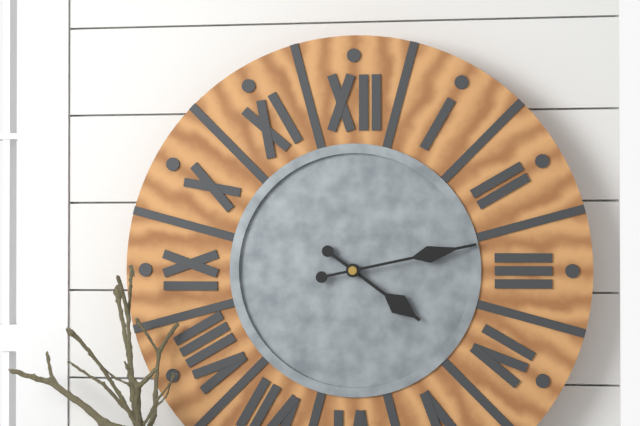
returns 4,13
